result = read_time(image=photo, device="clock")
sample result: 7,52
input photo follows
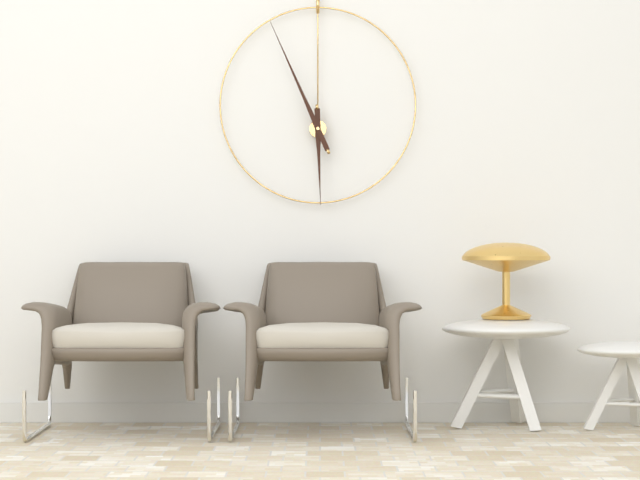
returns 5,56
